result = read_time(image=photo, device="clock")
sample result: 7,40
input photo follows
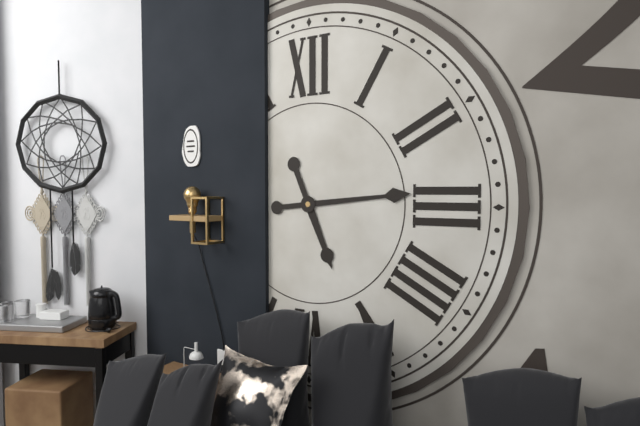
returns 5,14
